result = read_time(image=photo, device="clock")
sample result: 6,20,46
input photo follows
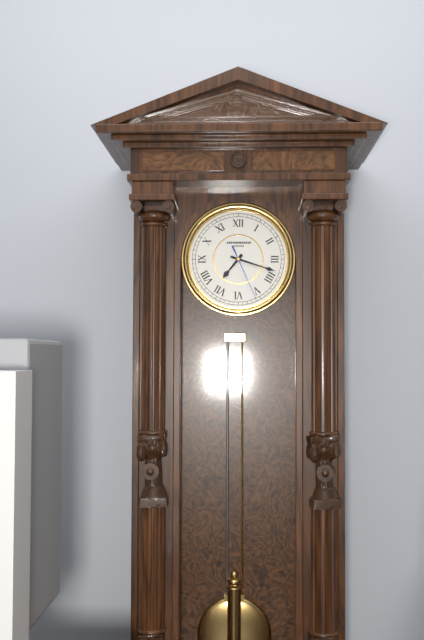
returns 7,18,26
